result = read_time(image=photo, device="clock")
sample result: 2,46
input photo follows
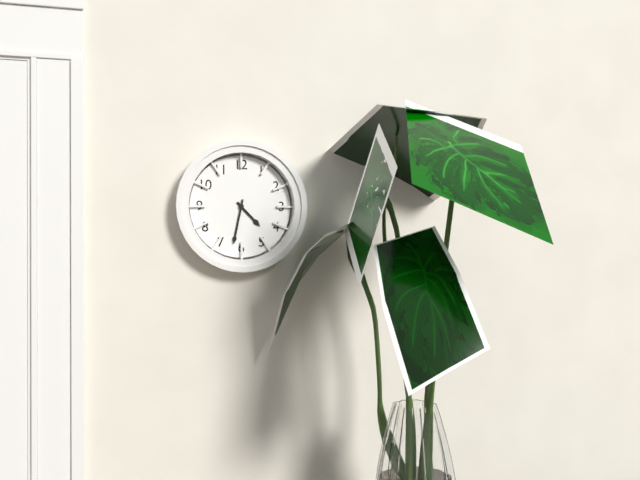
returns 4,32
